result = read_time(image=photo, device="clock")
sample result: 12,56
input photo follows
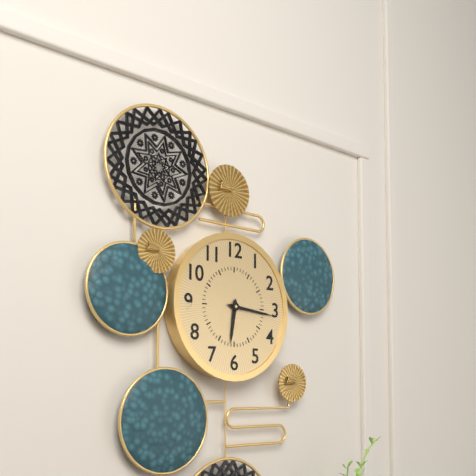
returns 6,16
